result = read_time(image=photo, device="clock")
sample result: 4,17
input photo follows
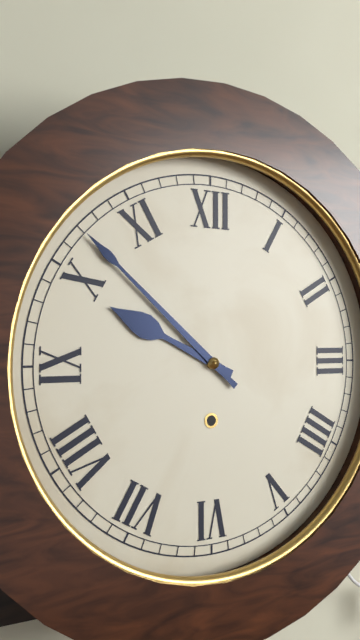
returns 9,52
